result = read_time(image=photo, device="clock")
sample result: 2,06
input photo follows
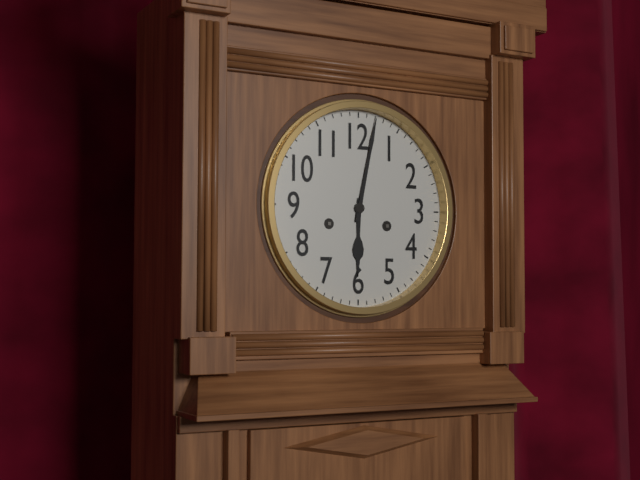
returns 6,02
